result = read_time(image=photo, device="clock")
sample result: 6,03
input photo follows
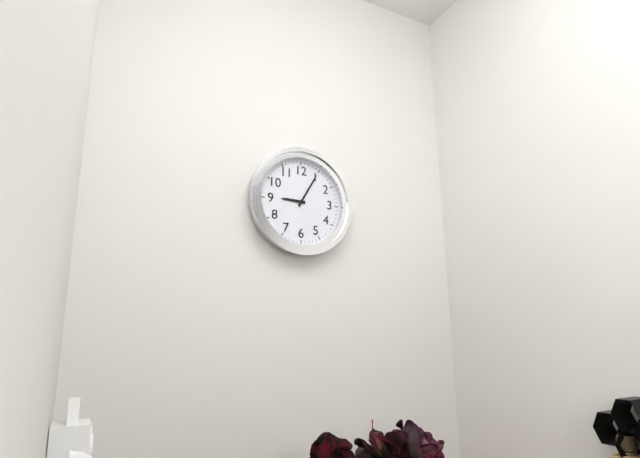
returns 9,05
